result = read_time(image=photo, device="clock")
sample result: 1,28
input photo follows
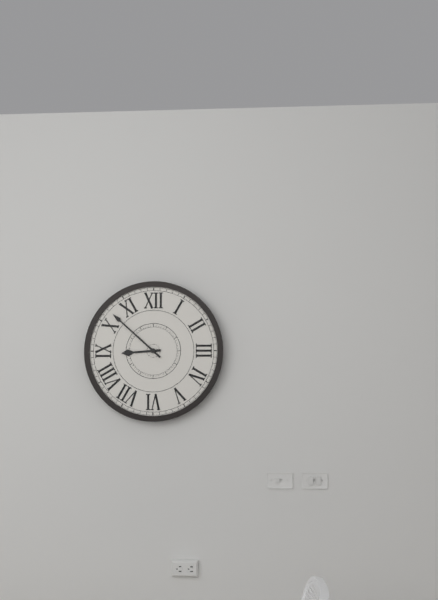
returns 8,52
